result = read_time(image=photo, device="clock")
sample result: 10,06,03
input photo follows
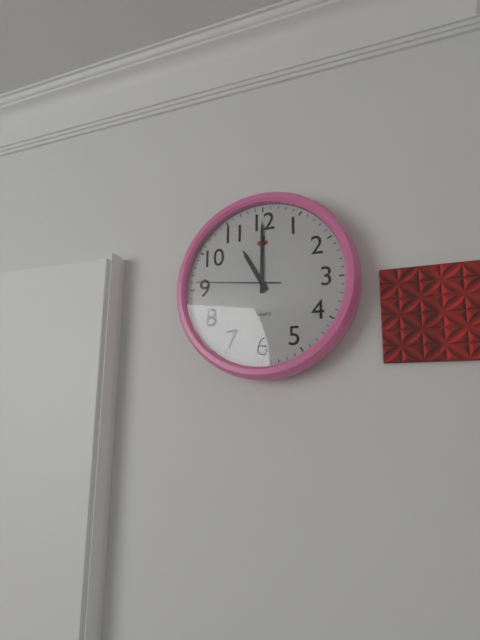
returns 11,00,46
